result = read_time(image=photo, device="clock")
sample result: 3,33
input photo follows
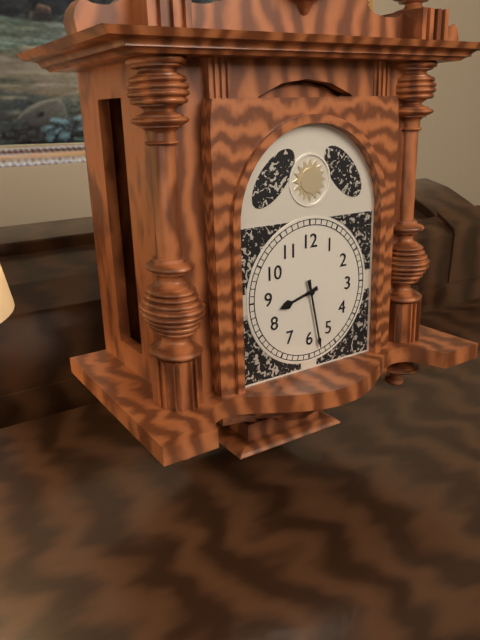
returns 8,28
